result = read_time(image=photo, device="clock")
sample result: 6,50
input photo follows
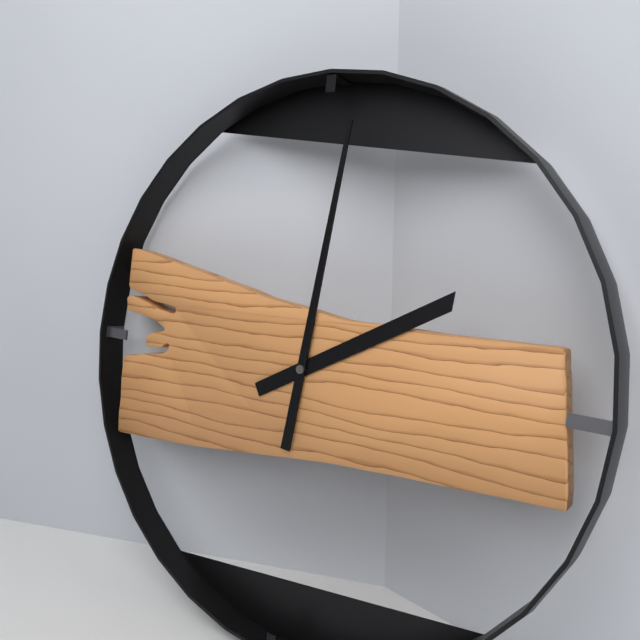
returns 2,01
